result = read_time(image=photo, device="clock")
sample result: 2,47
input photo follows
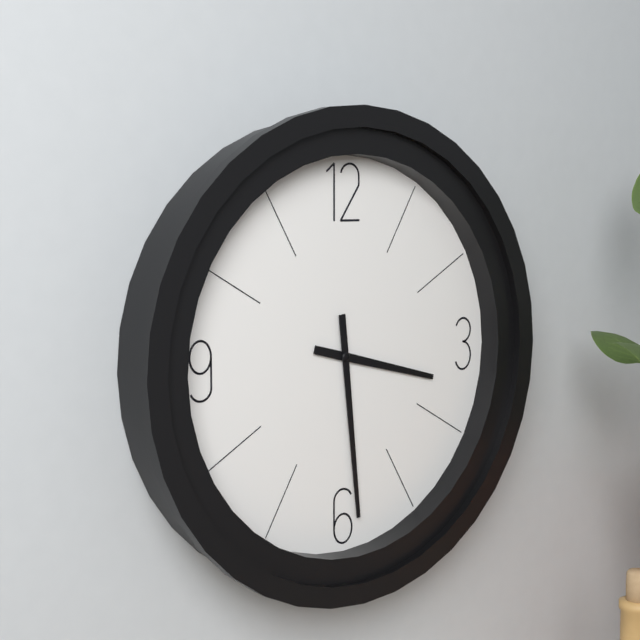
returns 3,29
